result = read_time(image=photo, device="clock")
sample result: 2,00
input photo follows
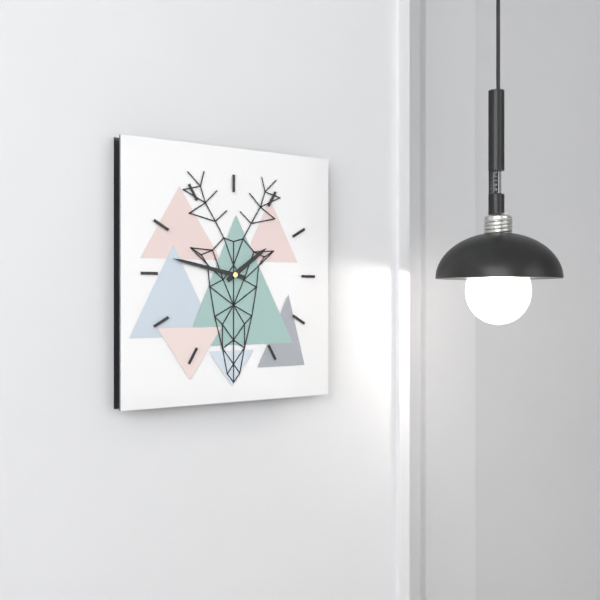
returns 1,47
